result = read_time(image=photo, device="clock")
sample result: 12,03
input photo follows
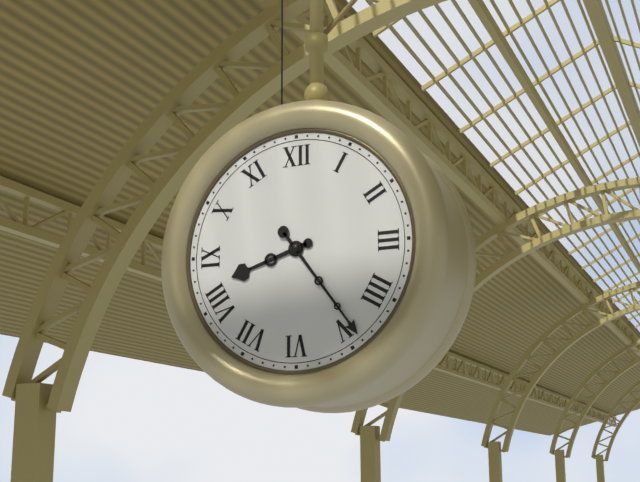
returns 8,24
